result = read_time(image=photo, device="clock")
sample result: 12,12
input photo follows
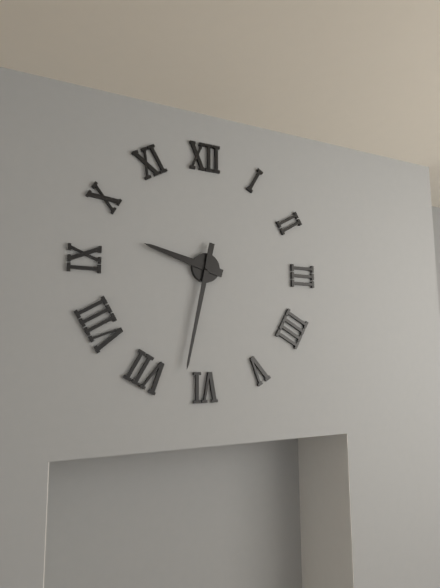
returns 9,32
